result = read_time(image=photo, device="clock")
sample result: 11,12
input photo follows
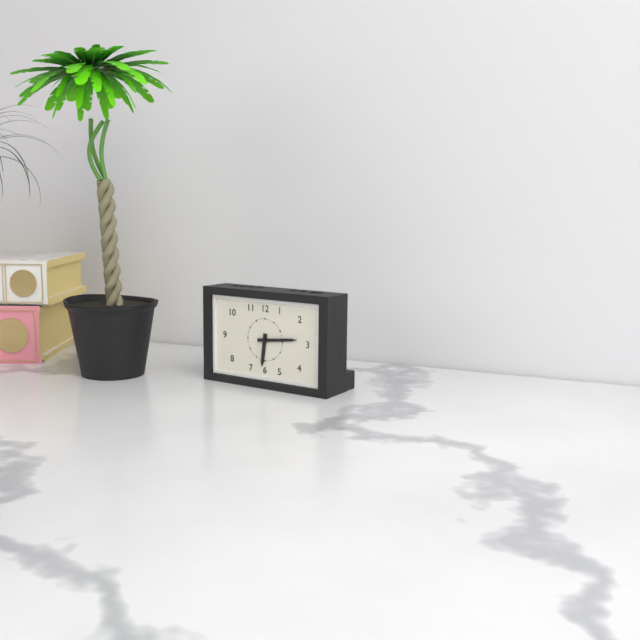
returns 6,14
